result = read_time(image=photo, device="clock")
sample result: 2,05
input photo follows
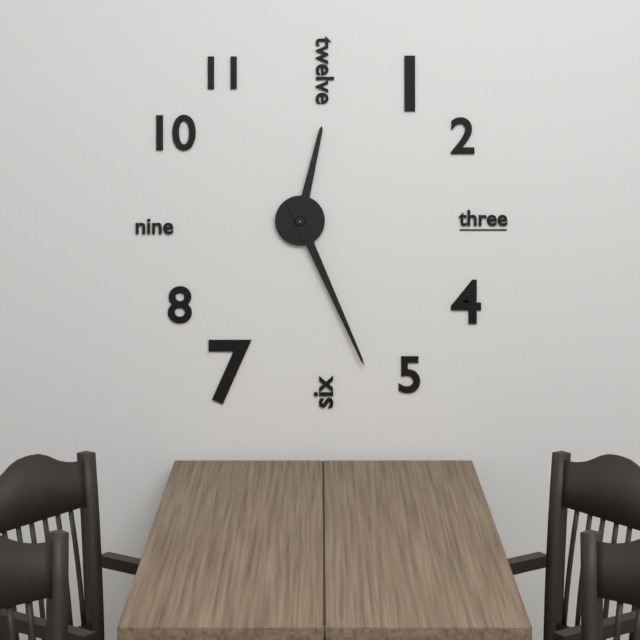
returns 12,26
